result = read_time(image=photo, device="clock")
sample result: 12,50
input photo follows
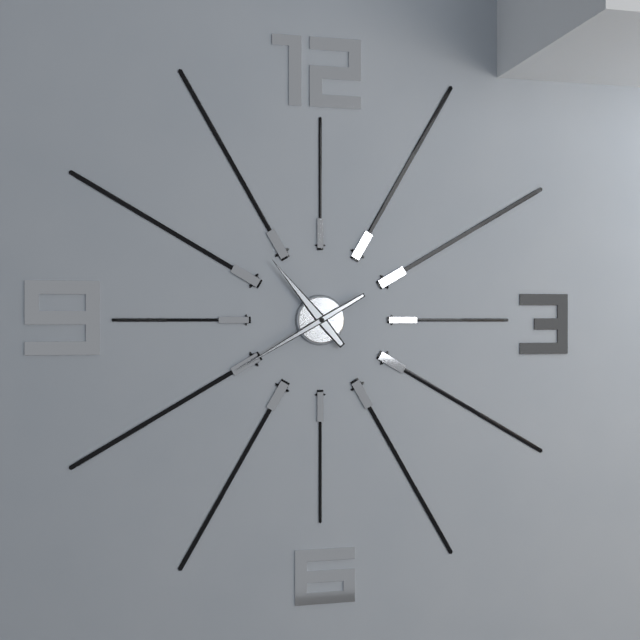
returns 10,40
